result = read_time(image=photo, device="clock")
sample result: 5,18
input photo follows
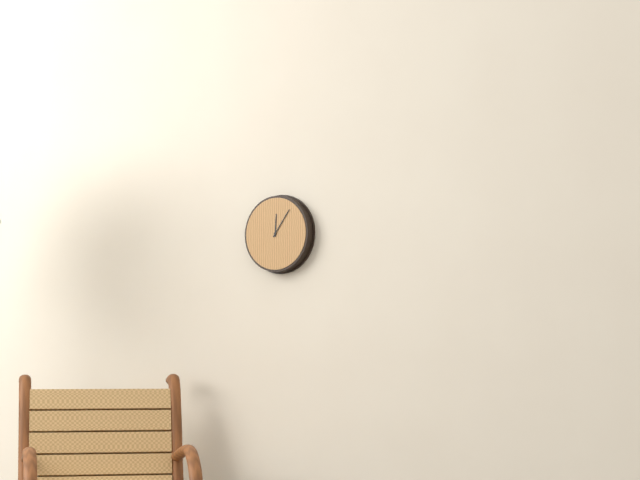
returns 12,06
